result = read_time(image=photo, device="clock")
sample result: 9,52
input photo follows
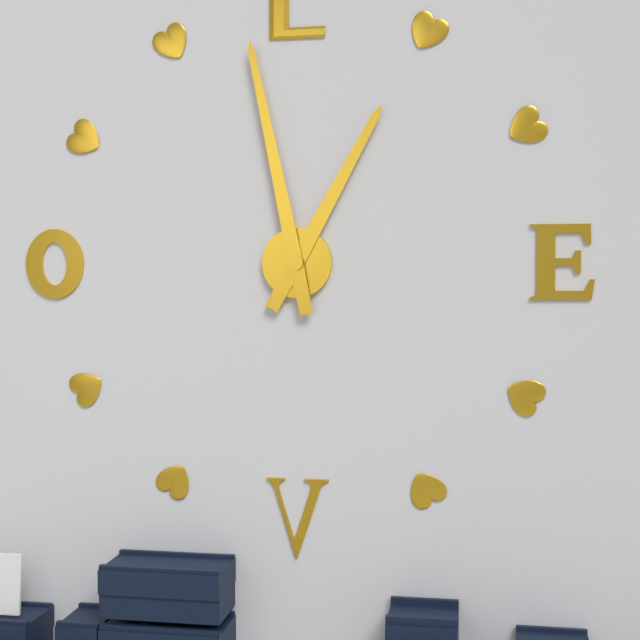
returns 12,58
